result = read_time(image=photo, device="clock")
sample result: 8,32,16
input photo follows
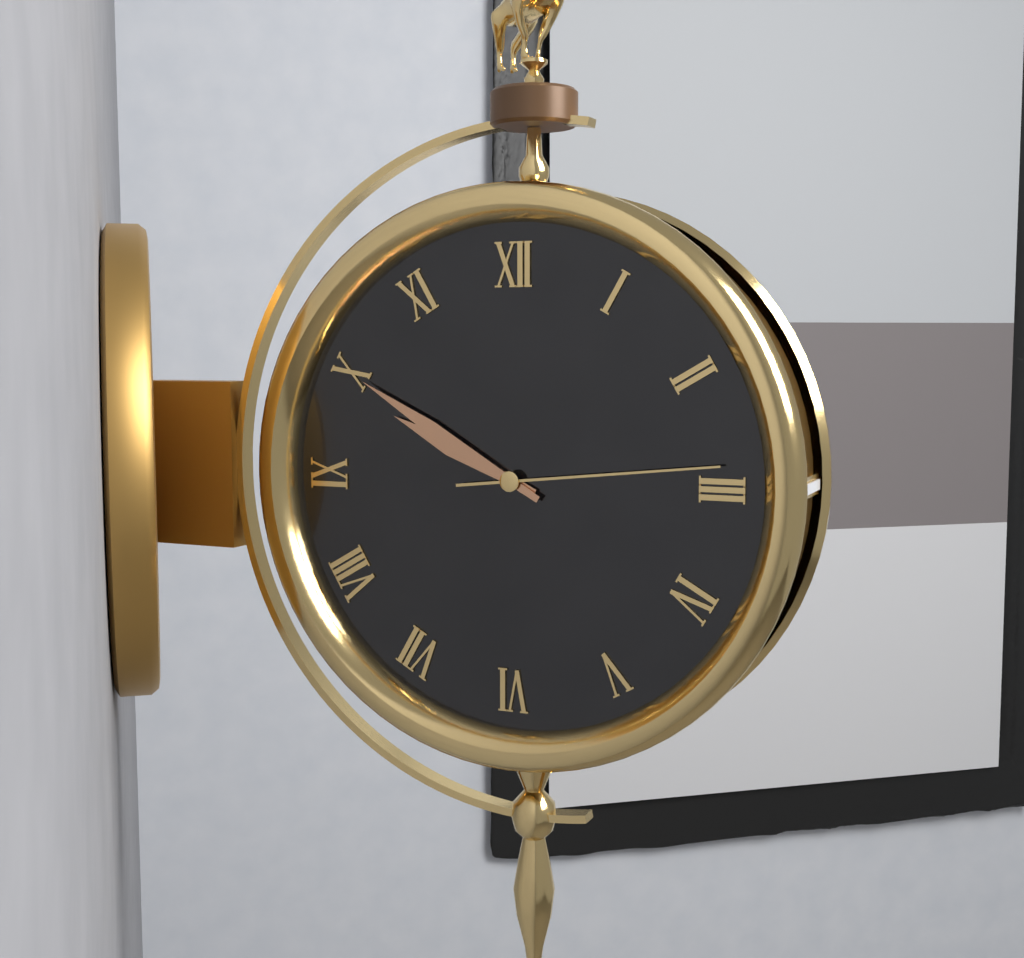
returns 9,50,14
